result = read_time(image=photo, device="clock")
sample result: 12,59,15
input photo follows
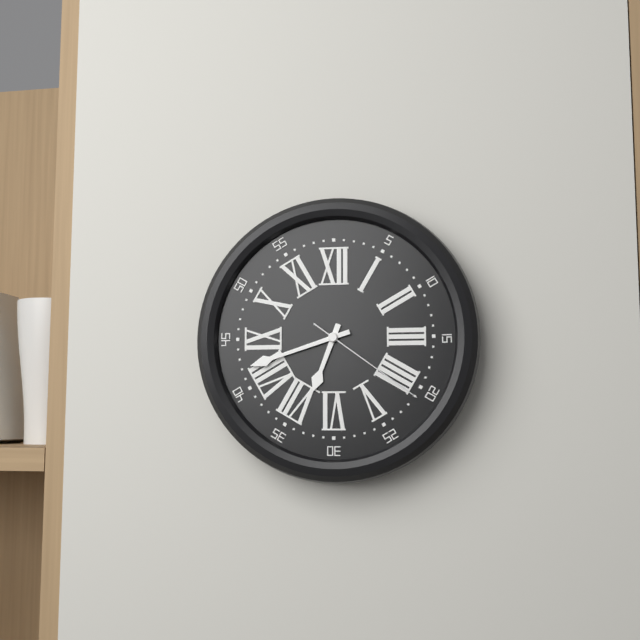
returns 6,42,21
